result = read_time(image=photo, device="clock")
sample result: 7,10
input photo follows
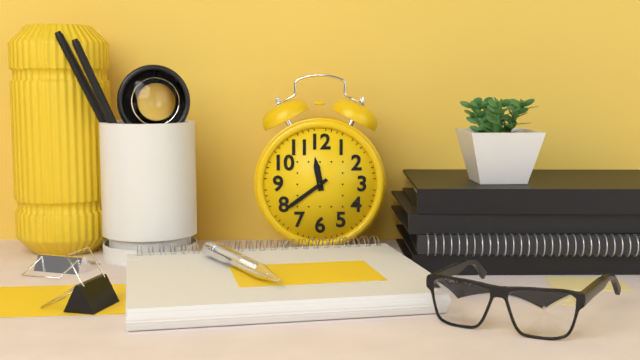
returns 11,39
